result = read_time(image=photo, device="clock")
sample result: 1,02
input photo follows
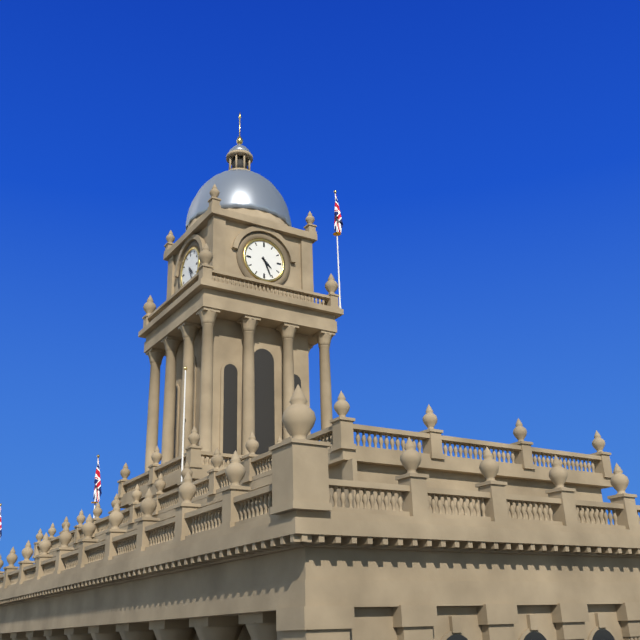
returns 4,26
